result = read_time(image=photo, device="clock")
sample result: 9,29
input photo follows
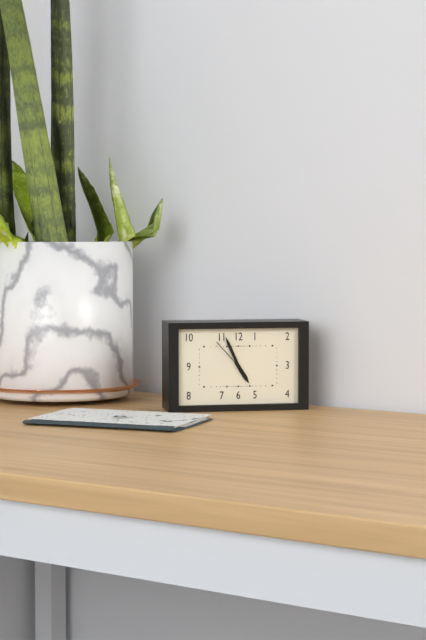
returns 4,56
